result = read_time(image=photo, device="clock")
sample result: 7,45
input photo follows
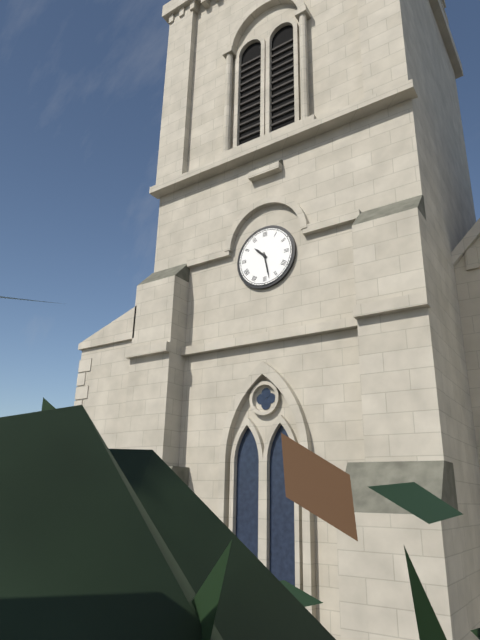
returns 10,28
